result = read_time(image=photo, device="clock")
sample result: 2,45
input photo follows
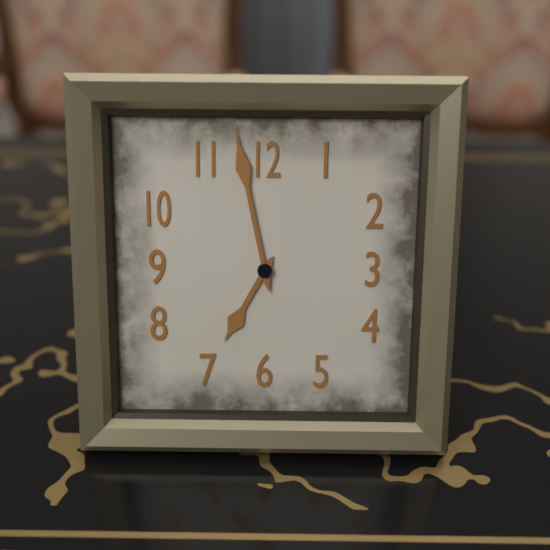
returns 6,58
